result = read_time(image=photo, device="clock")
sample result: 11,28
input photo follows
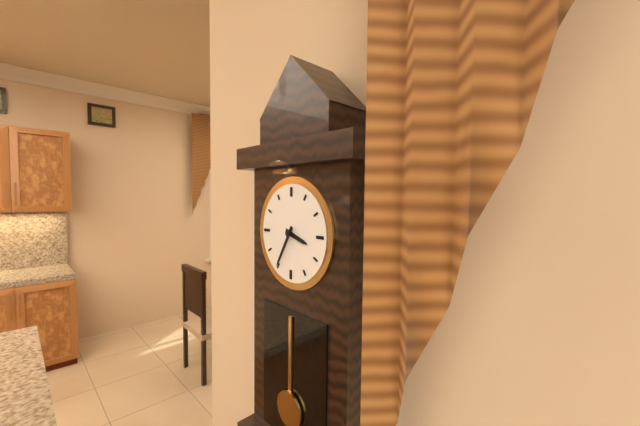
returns 3,35
